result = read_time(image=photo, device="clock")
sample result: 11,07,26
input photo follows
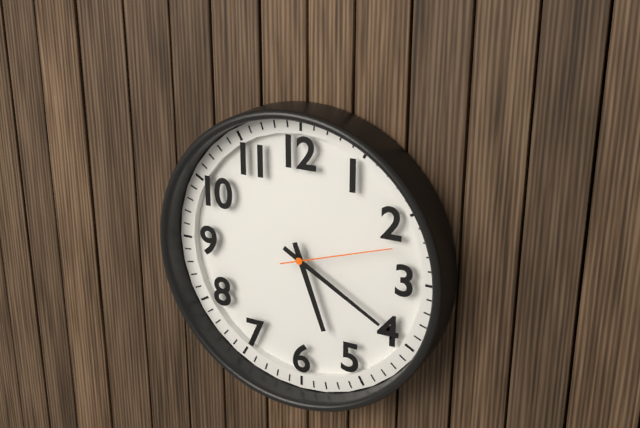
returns 5,20,12
